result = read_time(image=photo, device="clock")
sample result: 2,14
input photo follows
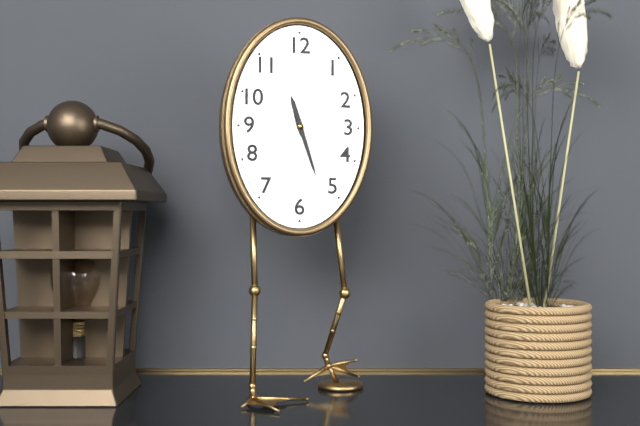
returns 11,27
